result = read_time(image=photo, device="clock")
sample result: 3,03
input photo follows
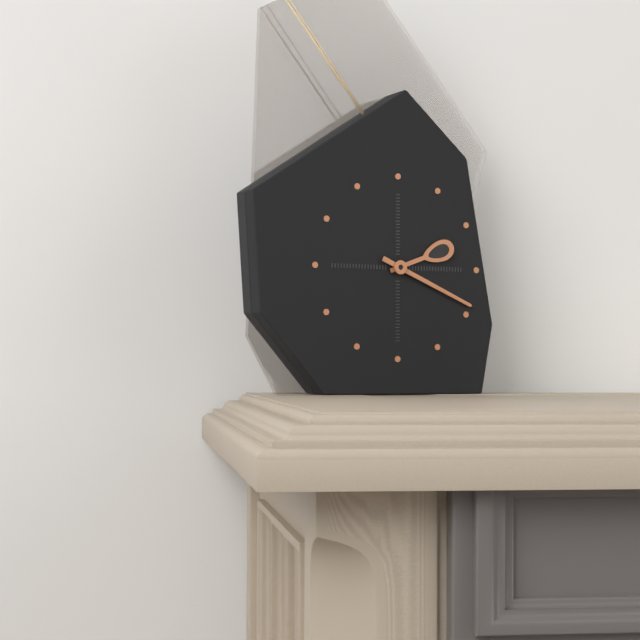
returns 2,19
